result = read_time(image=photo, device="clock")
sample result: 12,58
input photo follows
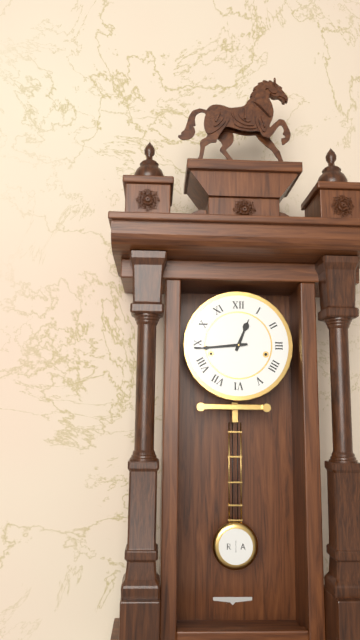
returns 12,44
